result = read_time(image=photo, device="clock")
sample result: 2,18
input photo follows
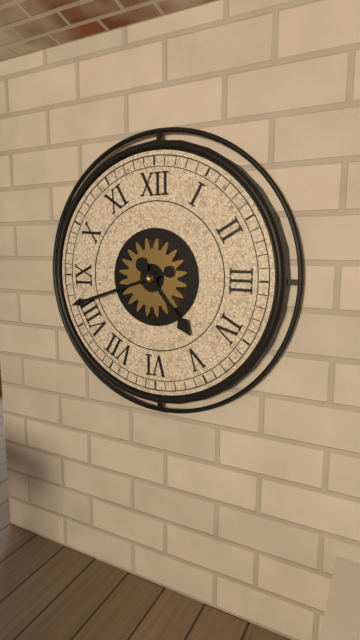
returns 4,42
